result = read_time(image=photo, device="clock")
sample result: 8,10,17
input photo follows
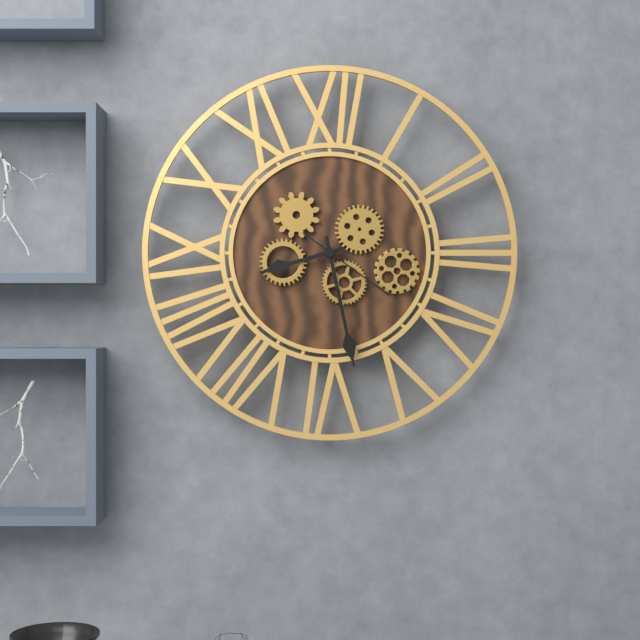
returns 8,28,21
